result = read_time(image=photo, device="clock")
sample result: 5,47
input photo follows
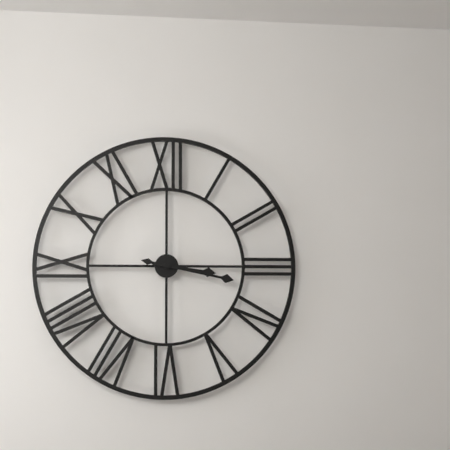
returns 3,17
